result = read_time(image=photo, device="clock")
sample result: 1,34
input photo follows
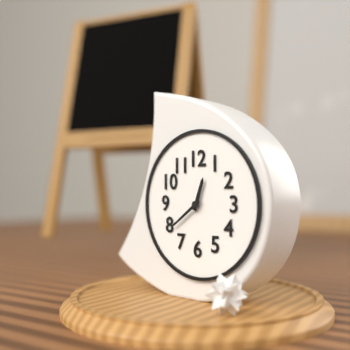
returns 12,39
